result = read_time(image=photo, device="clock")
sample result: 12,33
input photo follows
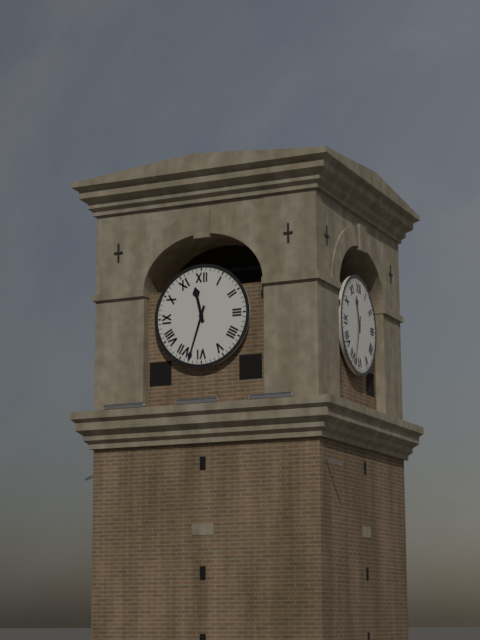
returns 11,33
